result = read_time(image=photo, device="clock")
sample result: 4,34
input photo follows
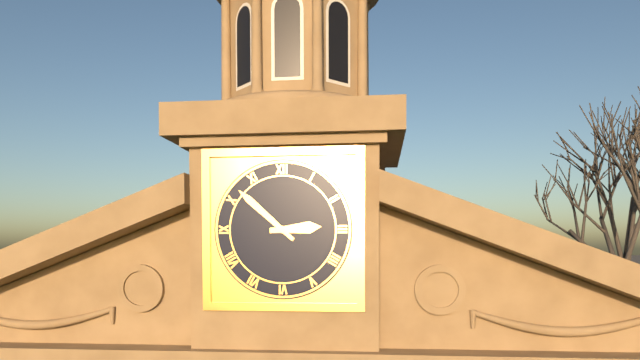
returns 2,52
